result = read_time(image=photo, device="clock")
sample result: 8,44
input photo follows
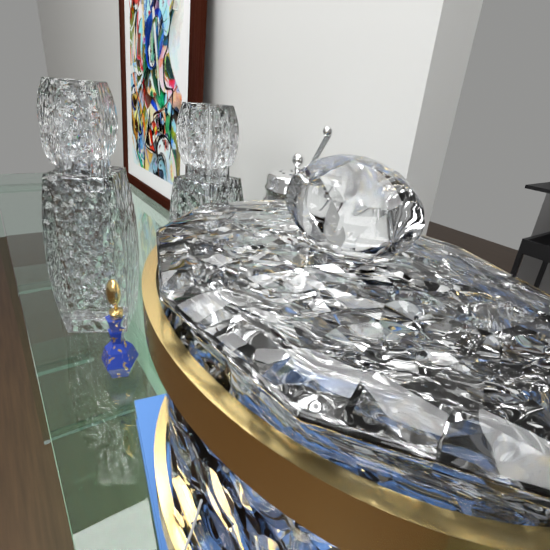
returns 4,01
